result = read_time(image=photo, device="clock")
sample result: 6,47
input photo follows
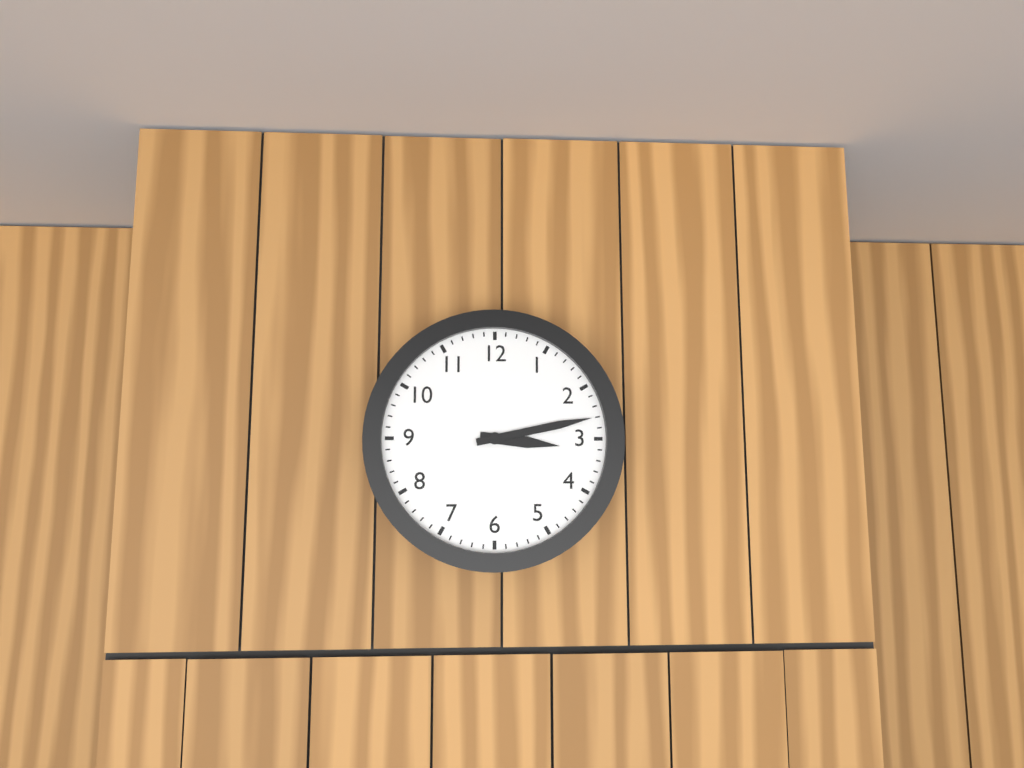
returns 3,13
